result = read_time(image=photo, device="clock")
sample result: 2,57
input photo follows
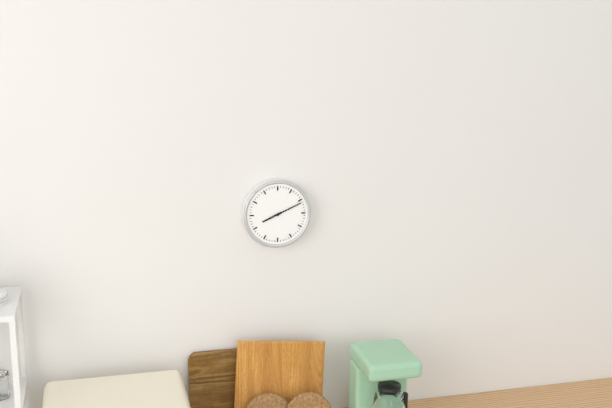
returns 8,11
